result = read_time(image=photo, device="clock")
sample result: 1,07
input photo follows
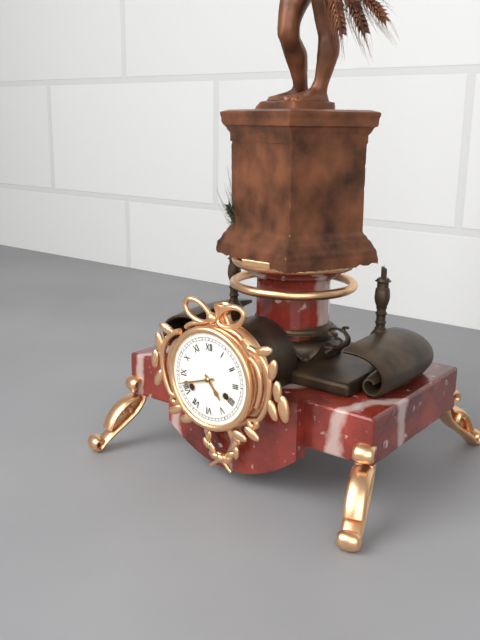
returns 4,42
